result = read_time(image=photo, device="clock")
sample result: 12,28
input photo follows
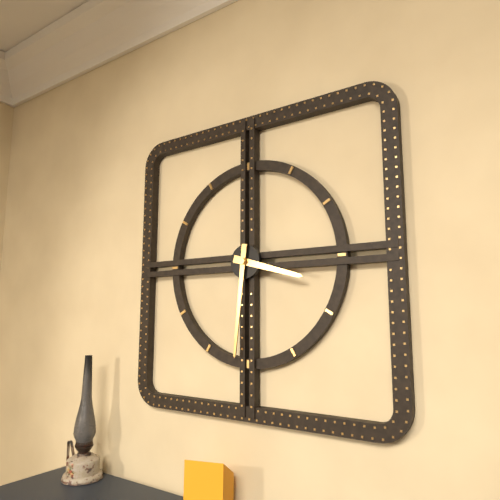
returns 3,31
